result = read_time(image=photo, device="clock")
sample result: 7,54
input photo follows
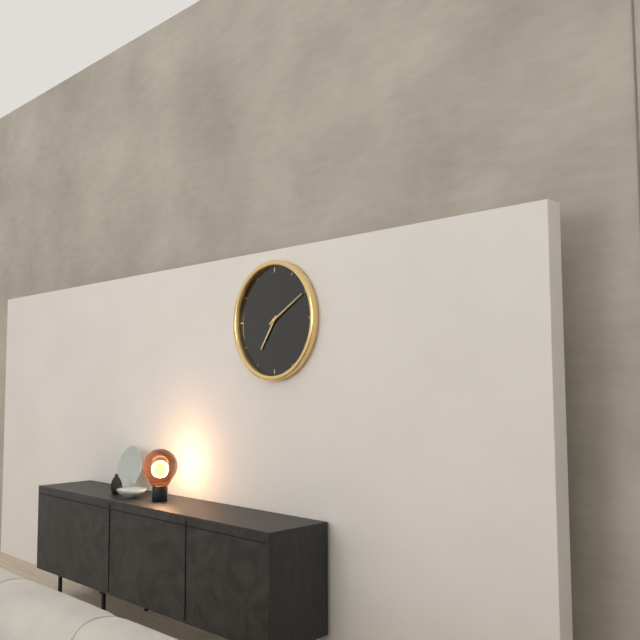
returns 7,10
